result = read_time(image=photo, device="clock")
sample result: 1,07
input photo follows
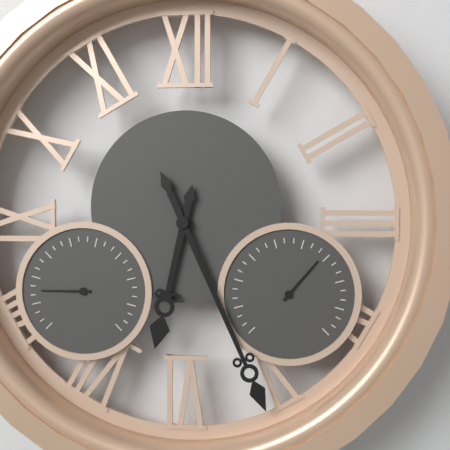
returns 6,26
